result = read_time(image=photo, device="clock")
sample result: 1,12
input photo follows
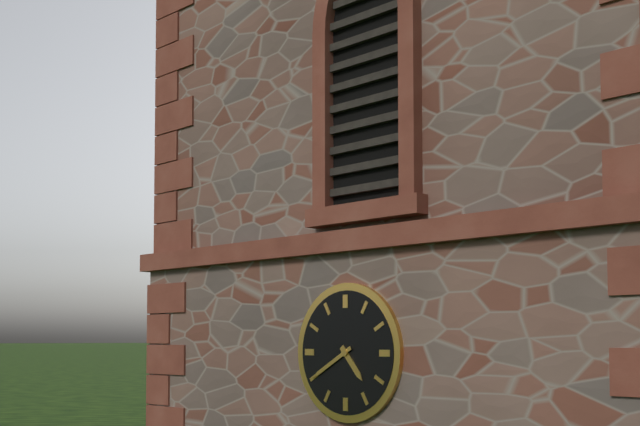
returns 4,40
